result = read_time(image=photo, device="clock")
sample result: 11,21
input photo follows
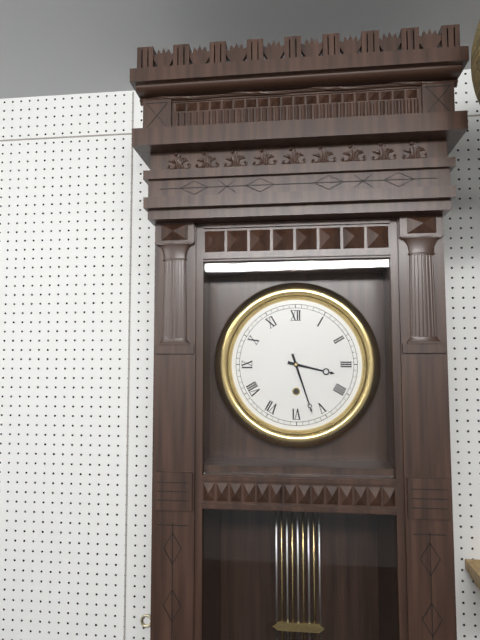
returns 3,27
